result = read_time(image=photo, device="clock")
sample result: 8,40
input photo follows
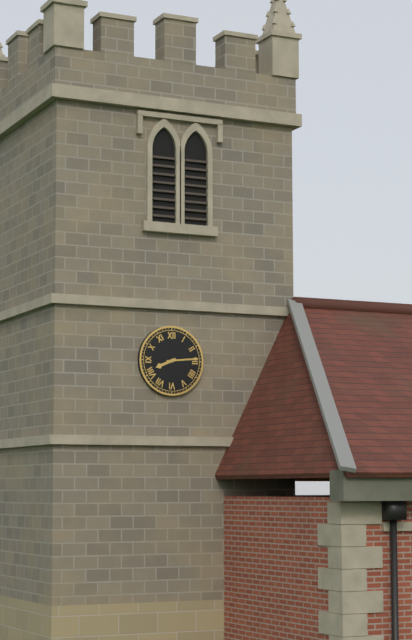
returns 8,14
